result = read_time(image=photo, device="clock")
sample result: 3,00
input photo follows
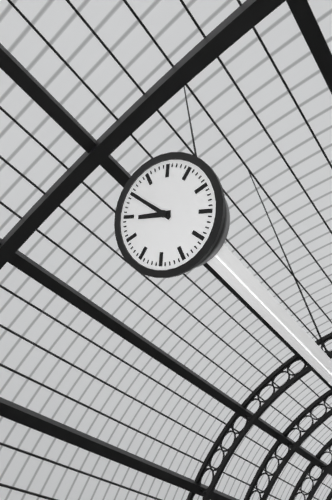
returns 9,55
